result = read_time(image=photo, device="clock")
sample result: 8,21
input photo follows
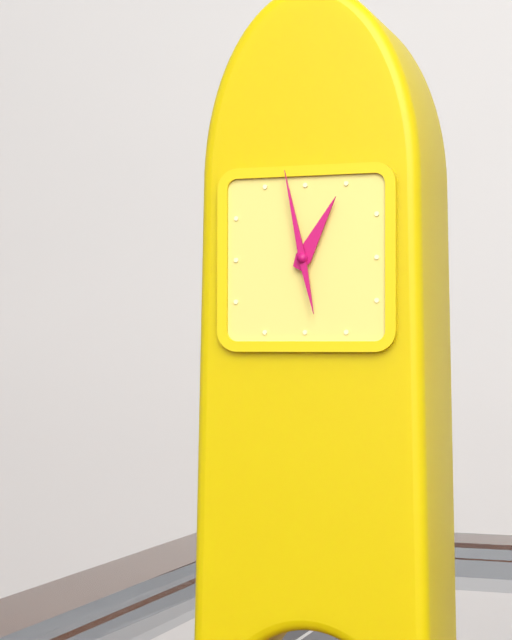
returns 12,58
